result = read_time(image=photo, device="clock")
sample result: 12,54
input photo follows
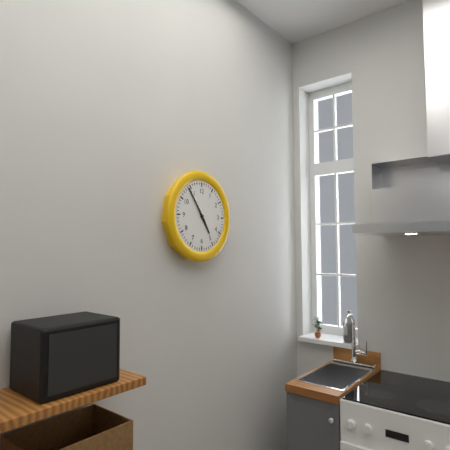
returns 4,54
